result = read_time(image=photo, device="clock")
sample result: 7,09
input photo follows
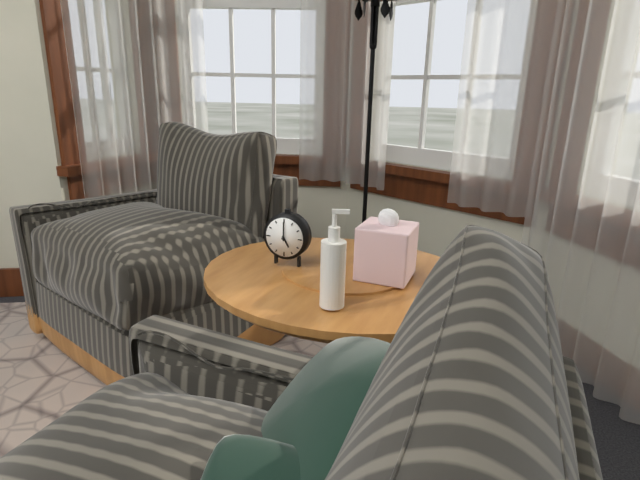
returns 5,00
